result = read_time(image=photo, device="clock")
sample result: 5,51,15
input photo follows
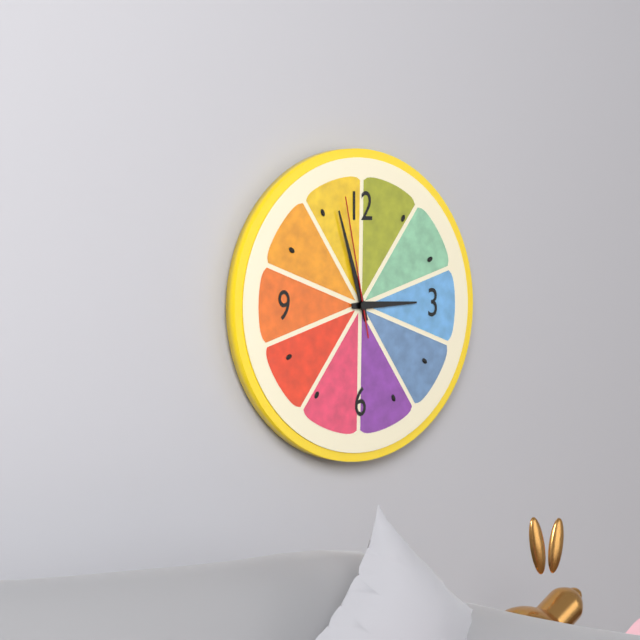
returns 2,57,58
